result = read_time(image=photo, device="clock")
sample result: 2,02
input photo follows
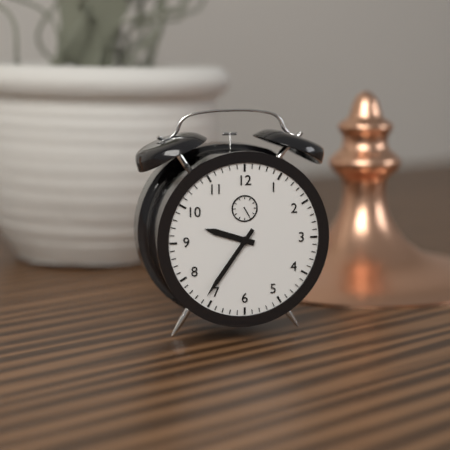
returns 9,36
